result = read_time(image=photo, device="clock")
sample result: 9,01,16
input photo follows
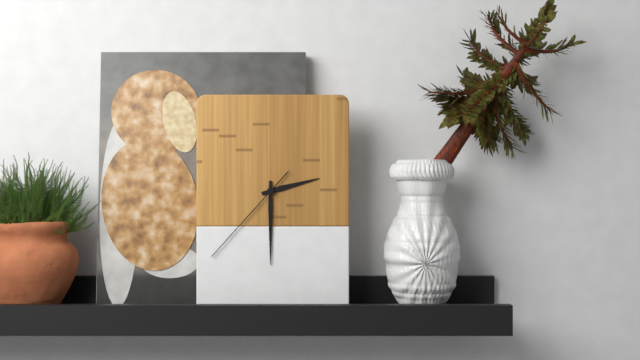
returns 2,30,37
